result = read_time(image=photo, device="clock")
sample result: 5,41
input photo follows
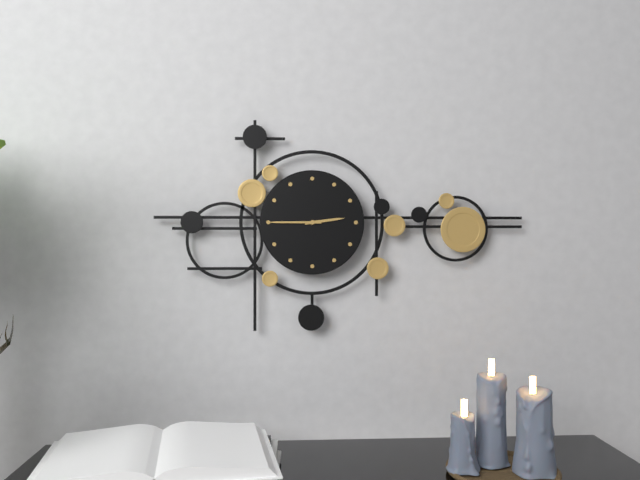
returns 2,45
